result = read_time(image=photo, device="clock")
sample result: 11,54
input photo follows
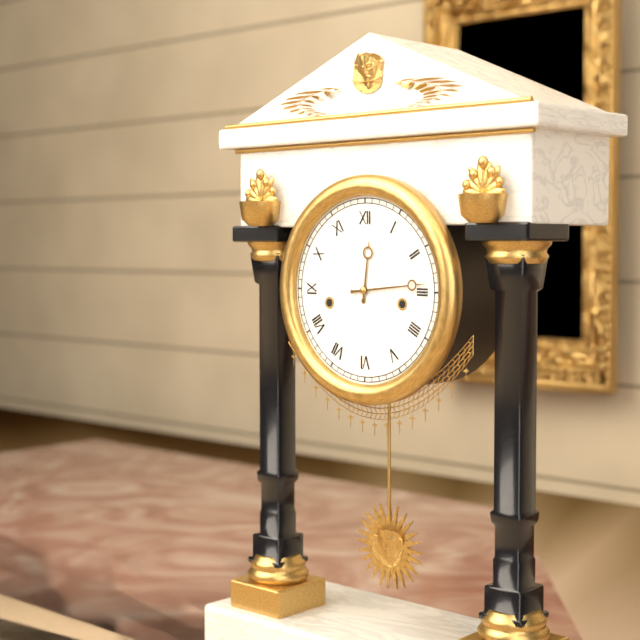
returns 12,14
